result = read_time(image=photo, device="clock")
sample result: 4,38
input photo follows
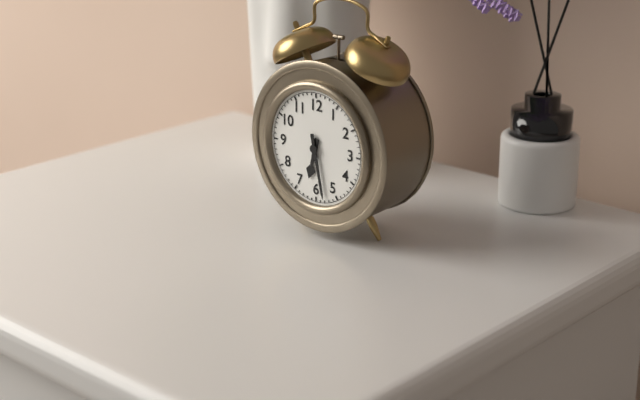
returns 6,28
